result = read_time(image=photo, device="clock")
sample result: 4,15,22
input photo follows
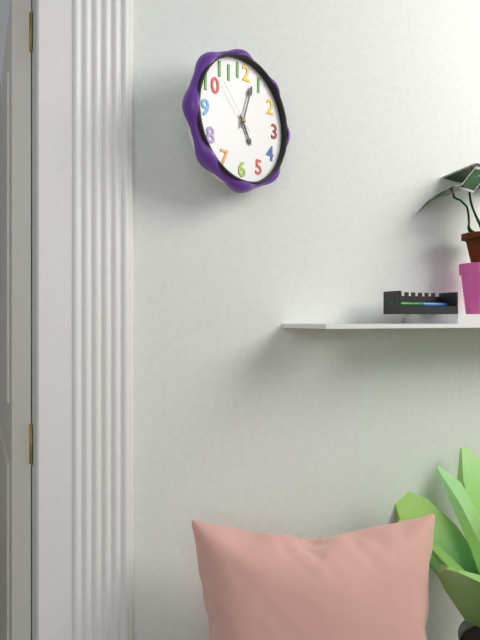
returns 5,03,53
